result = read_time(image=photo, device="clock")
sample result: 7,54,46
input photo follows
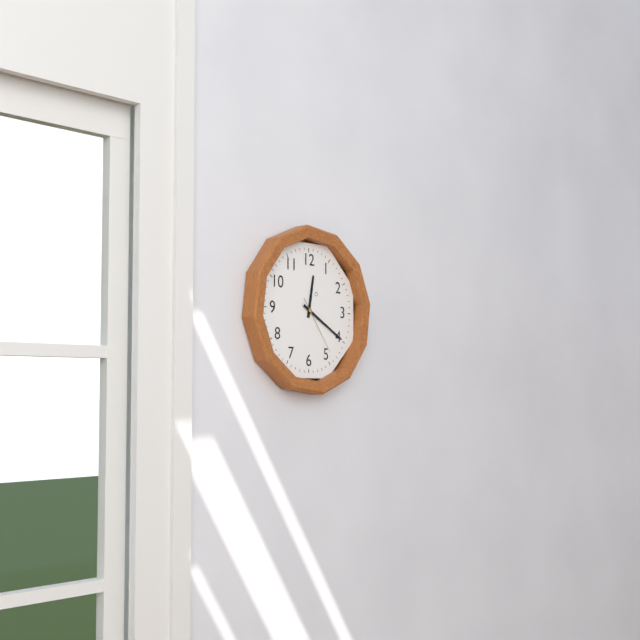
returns 12,20,24
